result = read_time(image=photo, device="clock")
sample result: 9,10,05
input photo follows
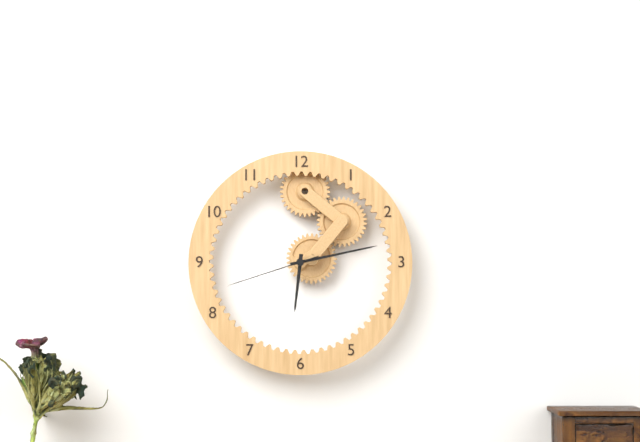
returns 6,13,42
